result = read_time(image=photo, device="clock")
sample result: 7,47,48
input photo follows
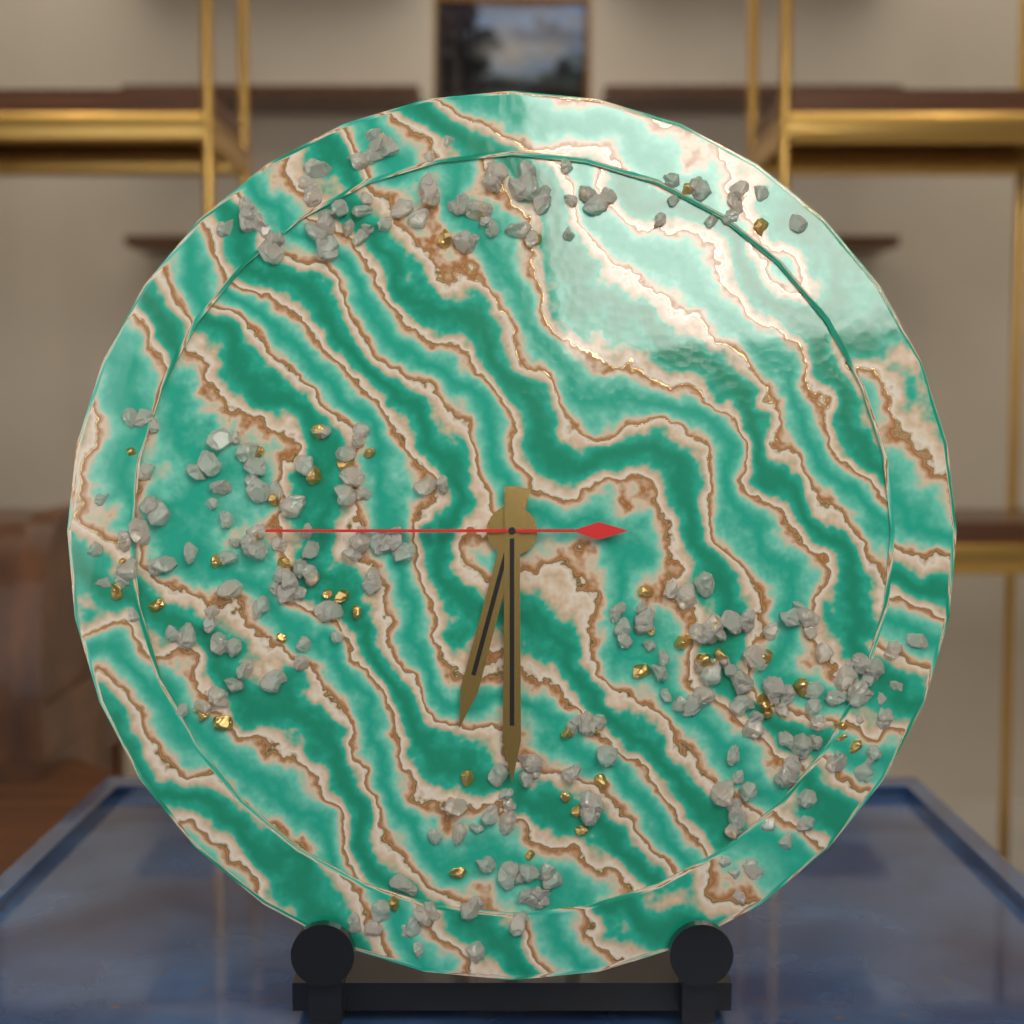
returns 6,30,45
